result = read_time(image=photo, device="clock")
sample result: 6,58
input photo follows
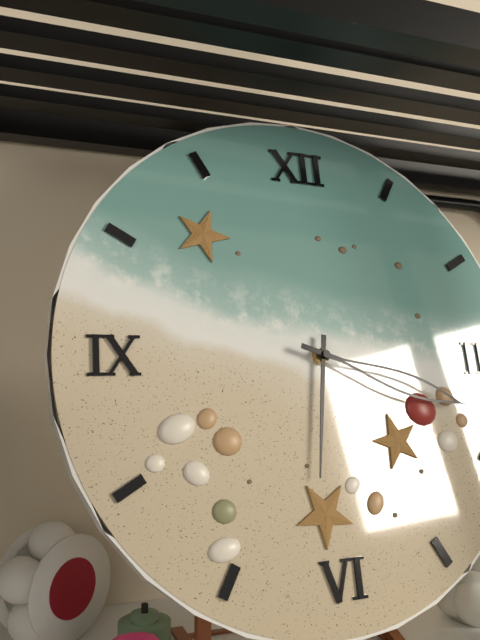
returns 6,18
